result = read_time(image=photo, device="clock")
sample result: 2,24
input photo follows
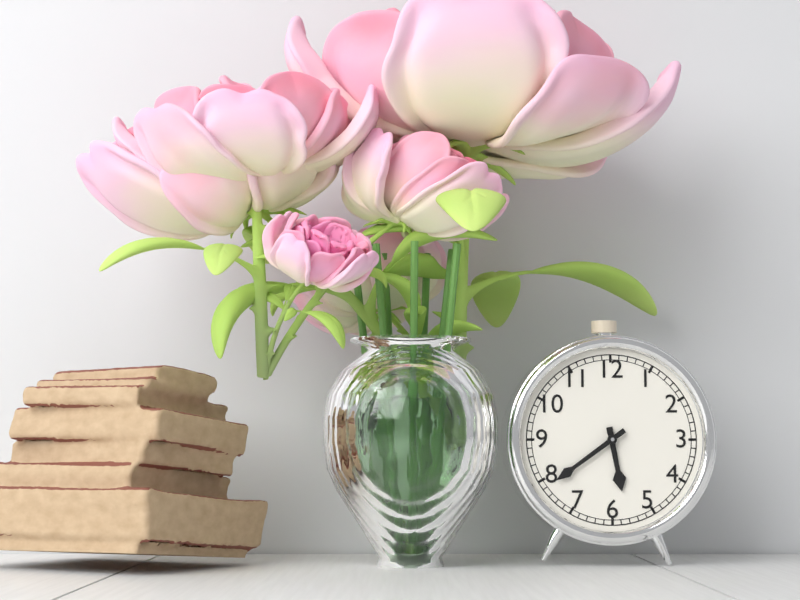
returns 5,39
